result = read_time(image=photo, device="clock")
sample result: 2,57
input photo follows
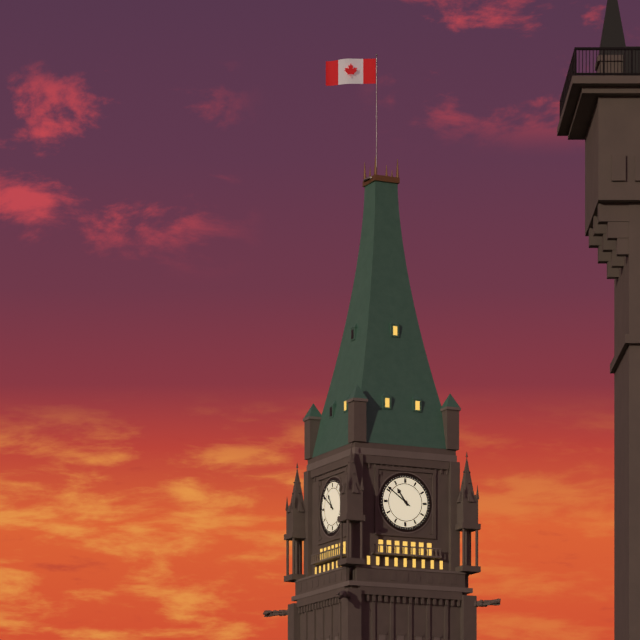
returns 10,51
